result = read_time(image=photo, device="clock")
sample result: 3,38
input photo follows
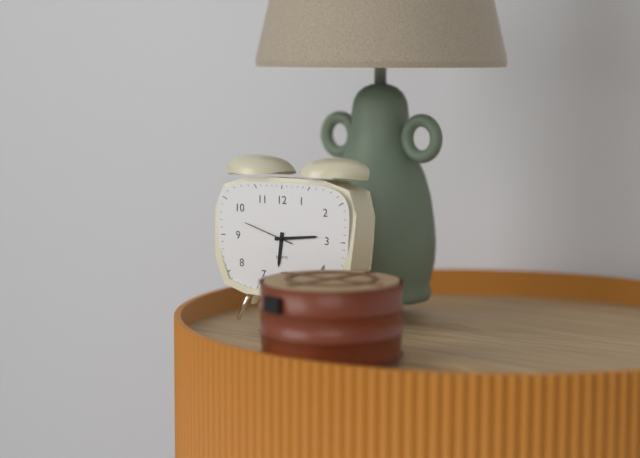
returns 6,14
